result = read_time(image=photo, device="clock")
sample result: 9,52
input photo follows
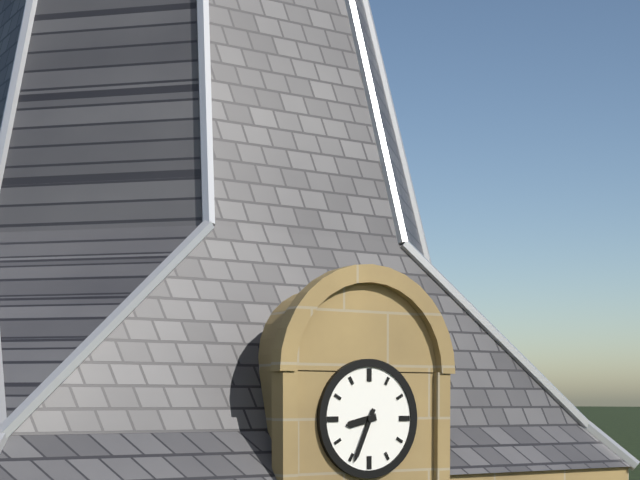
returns 8,34
